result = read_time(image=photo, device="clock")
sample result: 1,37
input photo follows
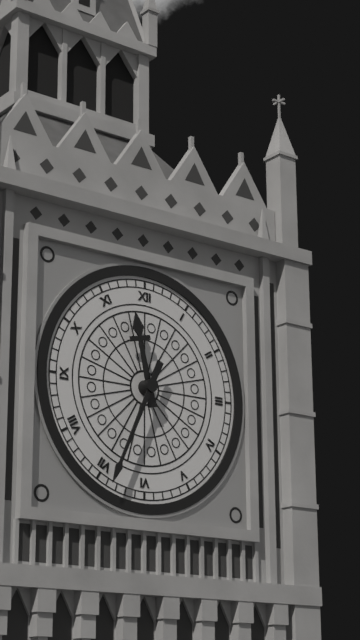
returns 11,34
